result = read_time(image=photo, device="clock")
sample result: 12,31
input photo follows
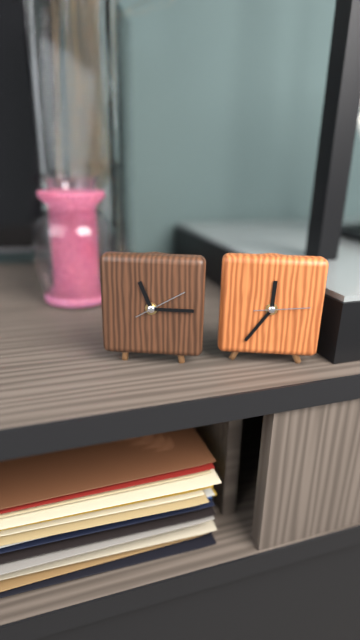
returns 11,15
